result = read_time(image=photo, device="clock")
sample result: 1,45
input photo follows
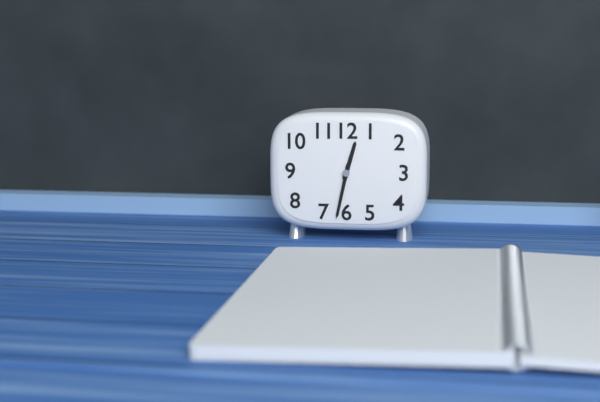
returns 12,32
